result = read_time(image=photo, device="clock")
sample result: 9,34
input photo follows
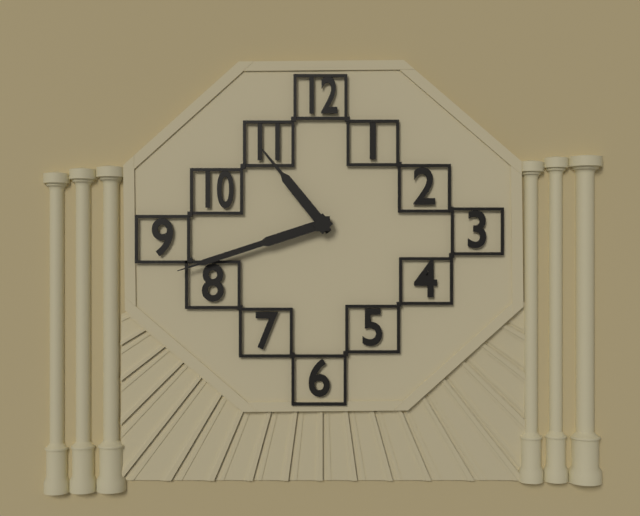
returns 10,42
